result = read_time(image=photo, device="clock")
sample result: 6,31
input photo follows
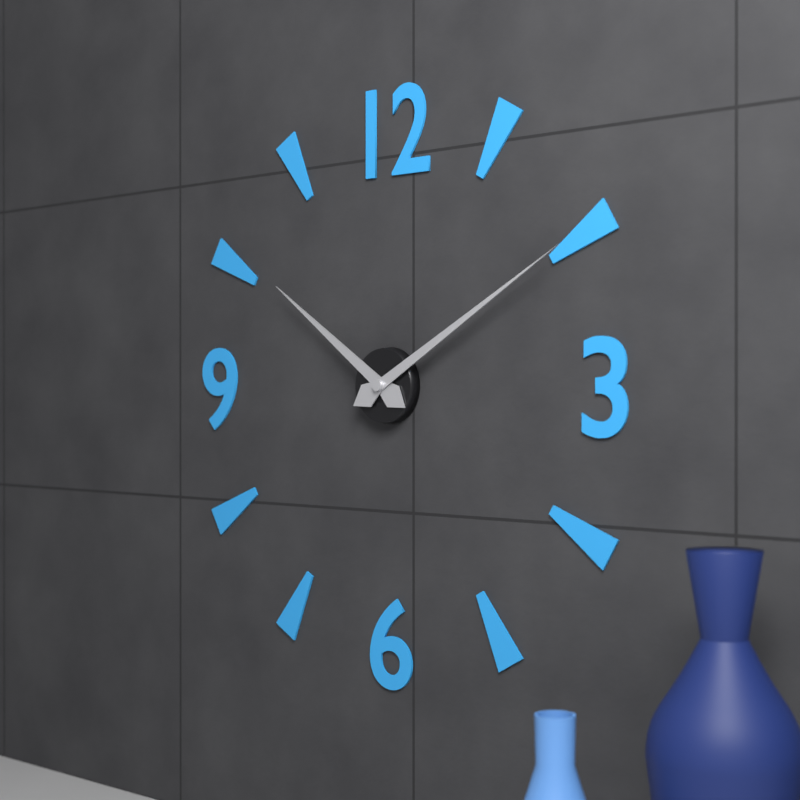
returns 10,10
